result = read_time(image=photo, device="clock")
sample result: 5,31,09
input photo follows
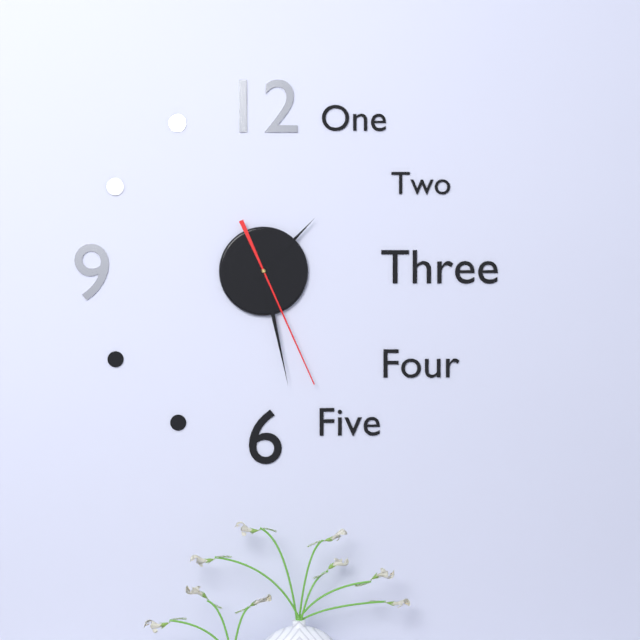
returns 1,28,26
